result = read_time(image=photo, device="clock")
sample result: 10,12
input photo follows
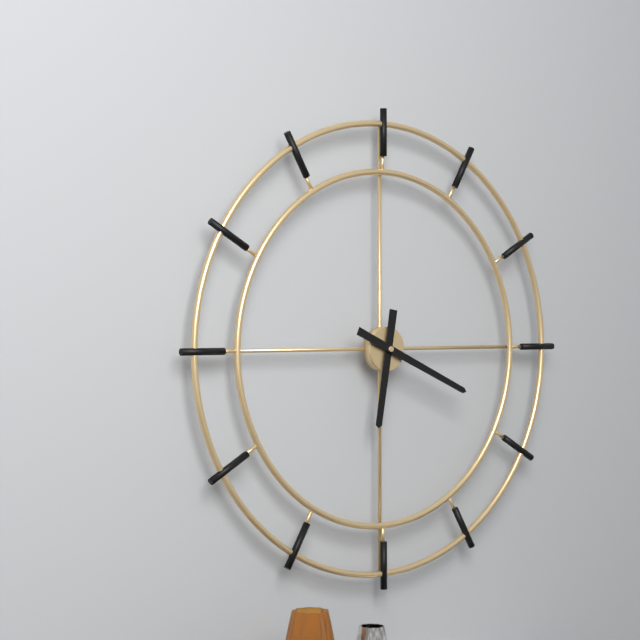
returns 6,19
